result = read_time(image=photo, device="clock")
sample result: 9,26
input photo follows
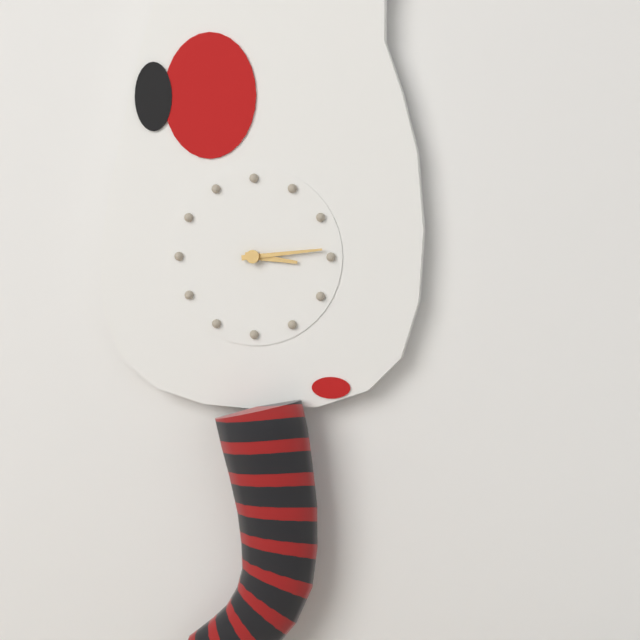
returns 3,14
